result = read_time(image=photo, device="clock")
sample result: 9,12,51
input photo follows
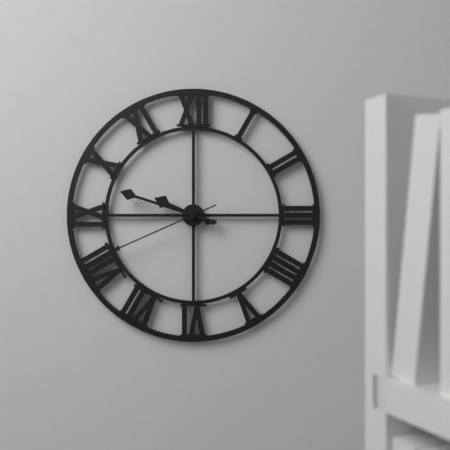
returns 9,48,41
